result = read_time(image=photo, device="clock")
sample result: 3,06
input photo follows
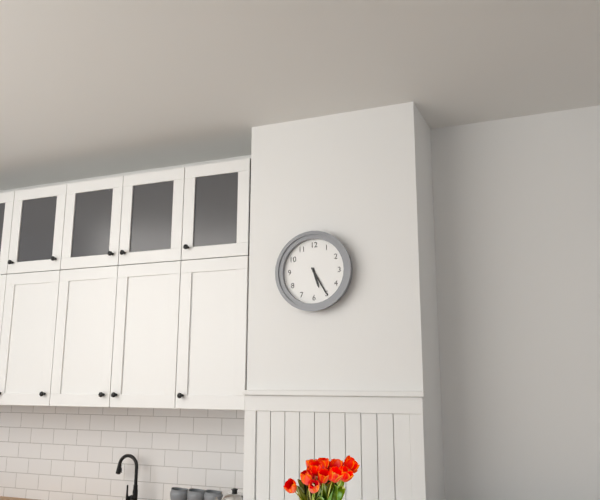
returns 5,25
